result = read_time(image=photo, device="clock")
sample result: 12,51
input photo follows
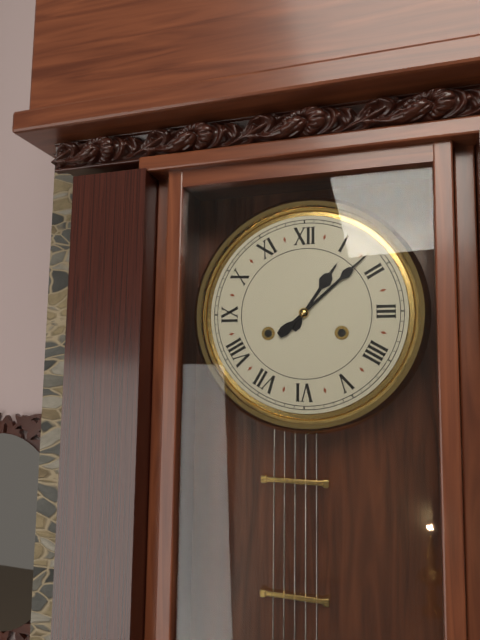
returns 1,08
